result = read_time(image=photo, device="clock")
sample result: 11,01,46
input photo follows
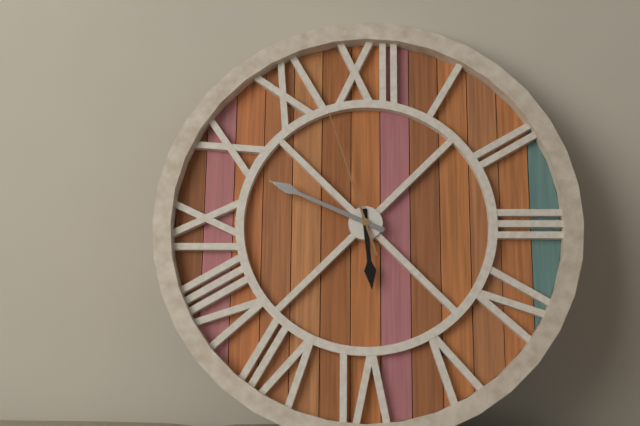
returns 5,49,57
